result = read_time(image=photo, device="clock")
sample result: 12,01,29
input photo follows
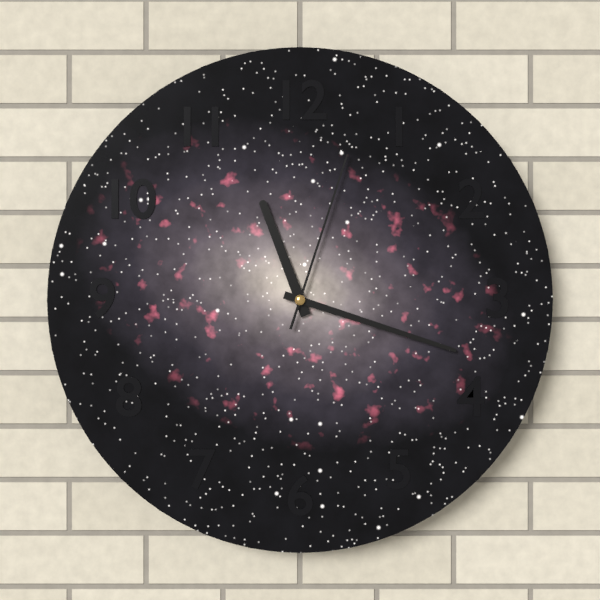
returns 11,18,03
